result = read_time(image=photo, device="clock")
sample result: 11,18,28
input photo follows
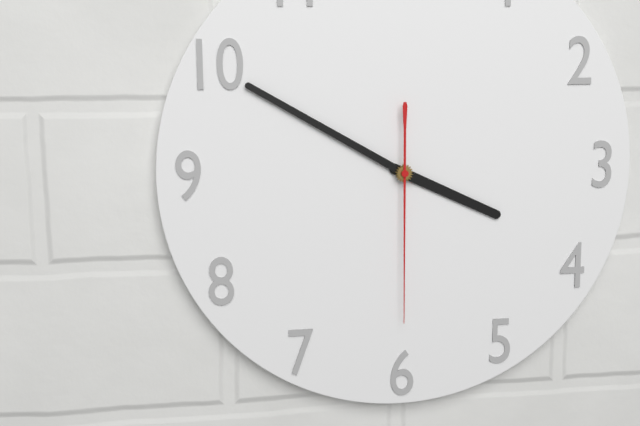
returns 3,50,30
